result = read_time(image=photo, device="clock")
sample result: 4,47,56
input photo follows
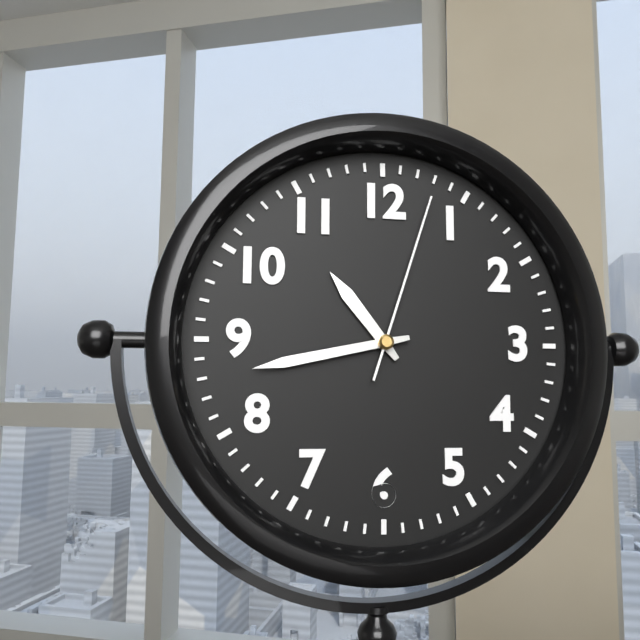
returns 10,43,03
